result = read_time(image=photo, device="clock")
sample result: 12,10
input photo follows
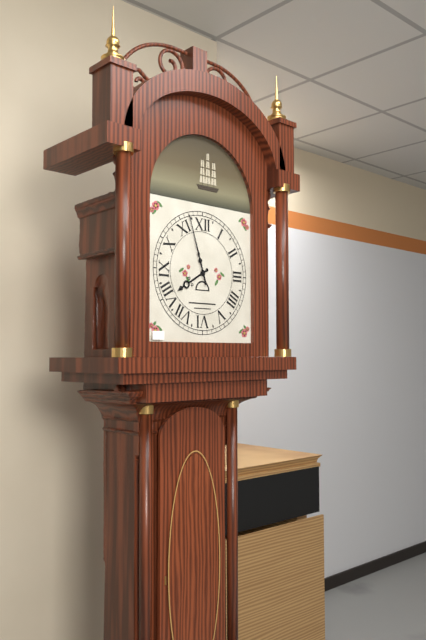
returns 7,57
